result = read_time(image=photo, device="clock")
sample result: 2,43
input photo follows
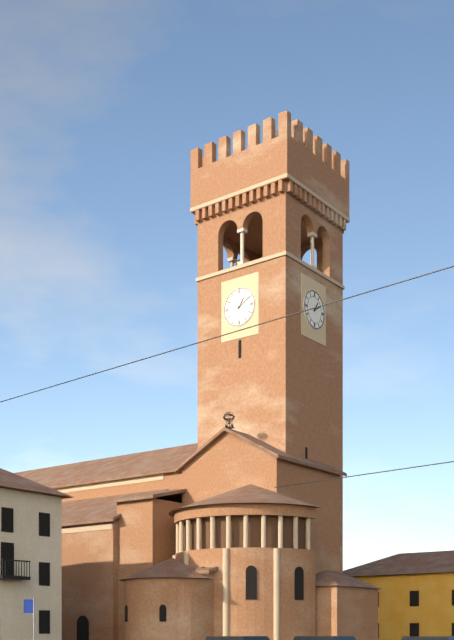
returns 1,10
